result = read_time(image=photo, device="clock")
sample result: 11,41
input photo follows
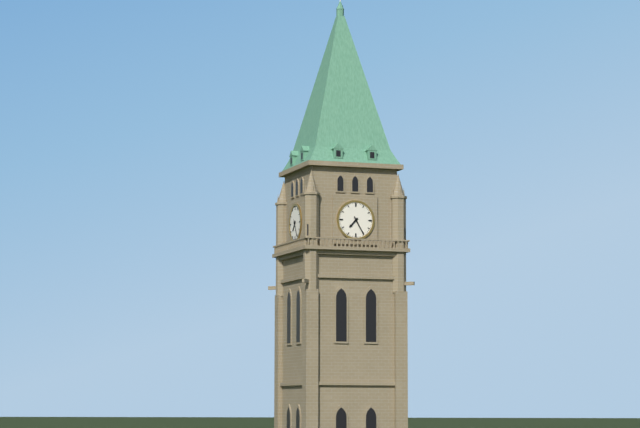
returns 7,25
